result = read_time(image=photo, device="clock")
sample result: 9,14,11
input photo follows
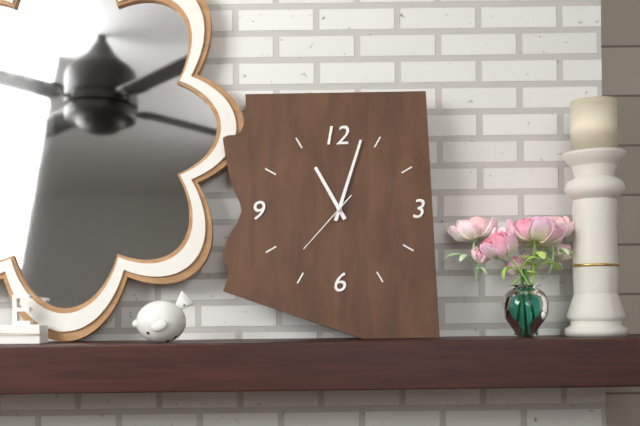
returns 11,03,37
